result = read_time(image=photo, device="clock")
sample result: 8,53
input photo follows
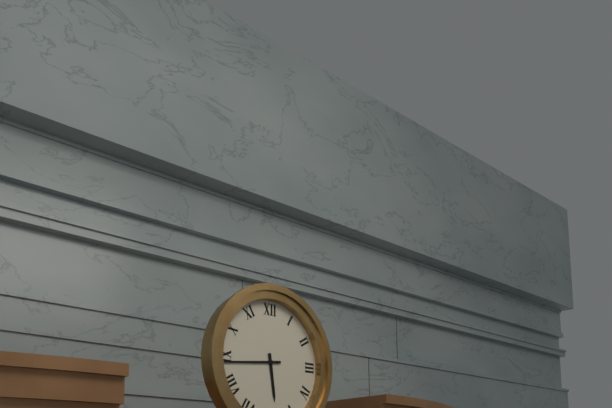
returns 5,44
